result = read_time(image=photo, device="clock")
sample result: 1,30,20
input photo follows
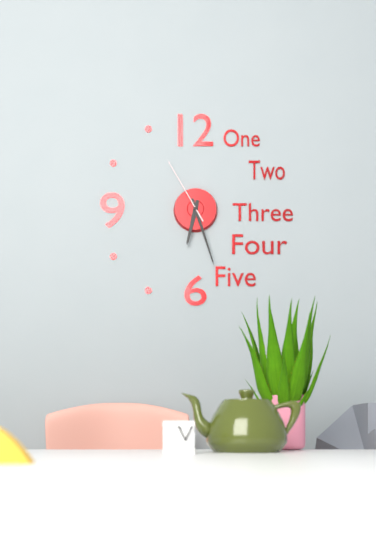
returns 6,27,55
